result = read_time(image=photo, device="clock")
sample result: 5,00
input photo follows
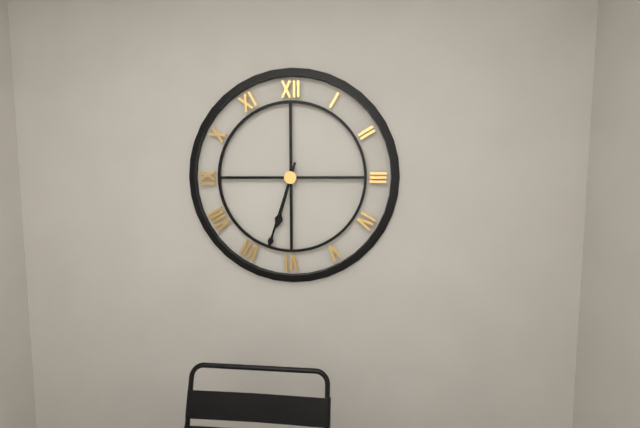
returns 6,33
